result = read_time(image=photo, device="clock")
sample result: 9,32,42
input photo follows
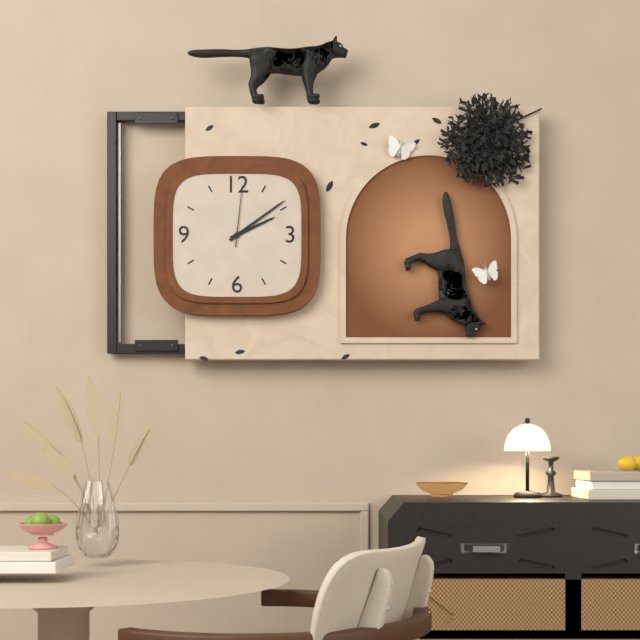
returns 2,09,01
